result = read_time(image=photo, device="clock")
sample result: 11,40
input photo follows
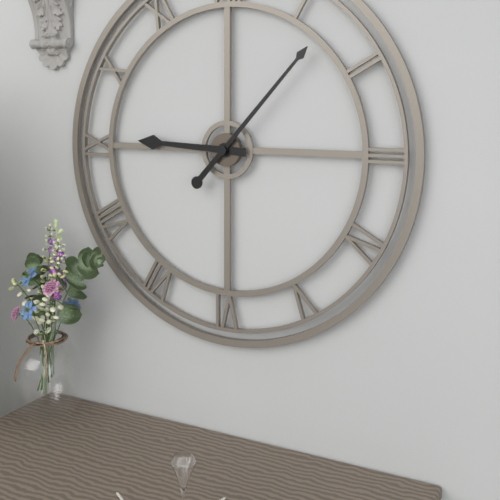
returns 9,07
